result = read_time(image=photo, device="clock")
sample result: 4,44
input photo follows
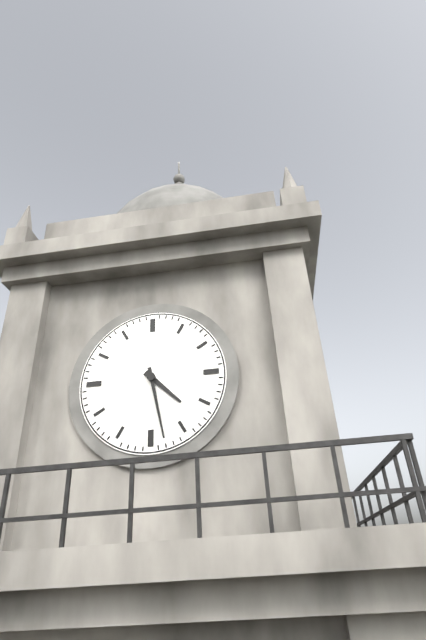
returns 4,28
